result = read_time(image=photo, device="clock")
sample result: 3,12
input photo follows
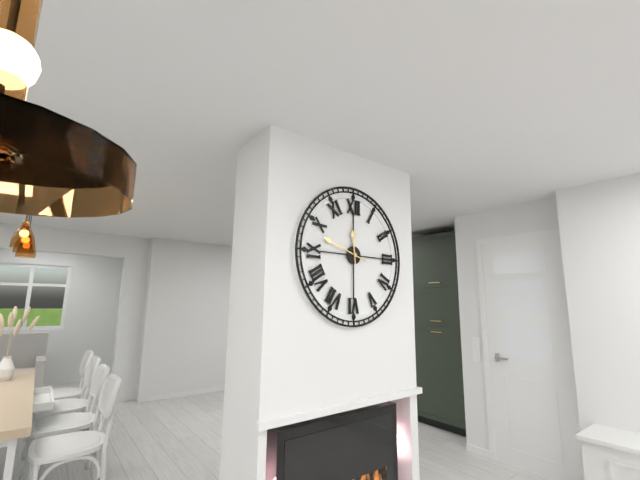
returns 11,48
